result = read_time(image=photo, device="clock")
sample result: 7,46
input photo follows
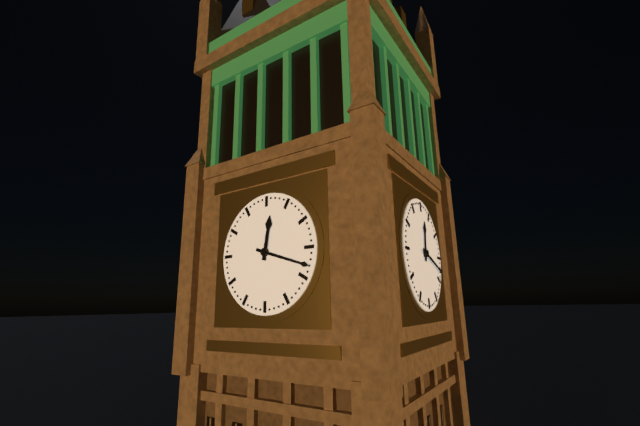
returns 12,18
